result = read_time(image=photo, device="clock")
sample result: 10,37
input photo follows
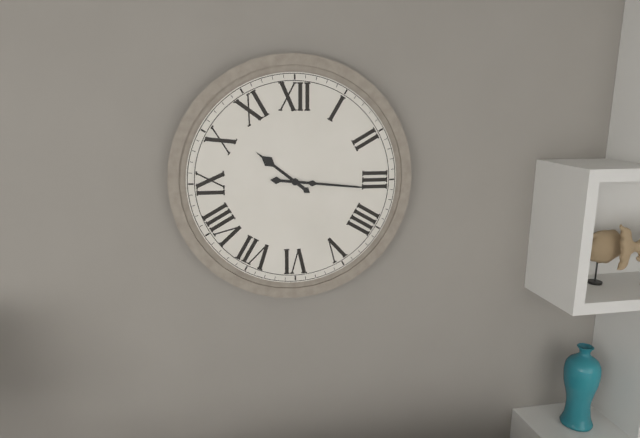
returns 10,16
